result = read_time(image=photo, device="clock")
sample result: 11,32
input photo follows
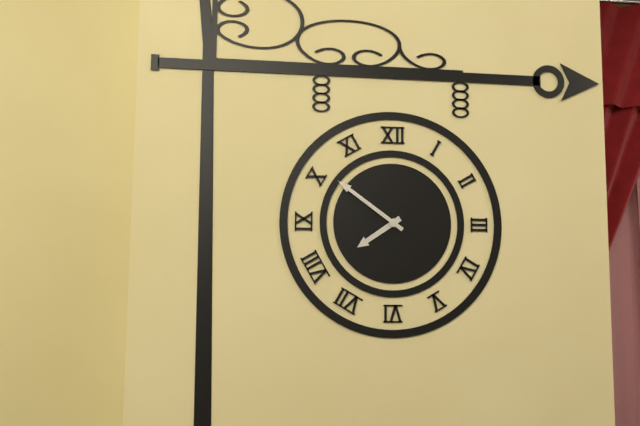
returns 7,51
